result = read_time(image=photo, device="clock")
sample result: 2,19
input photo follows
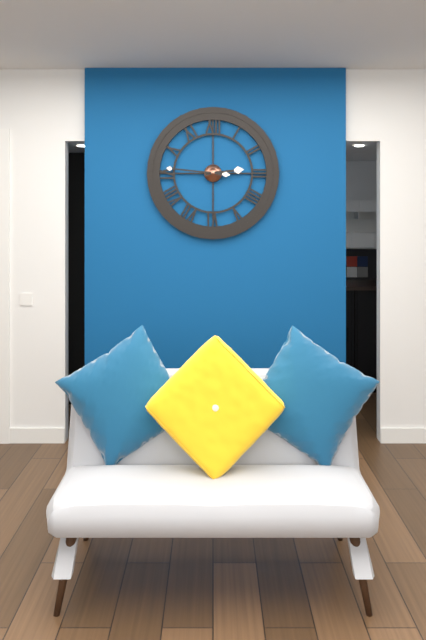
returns 2,46
